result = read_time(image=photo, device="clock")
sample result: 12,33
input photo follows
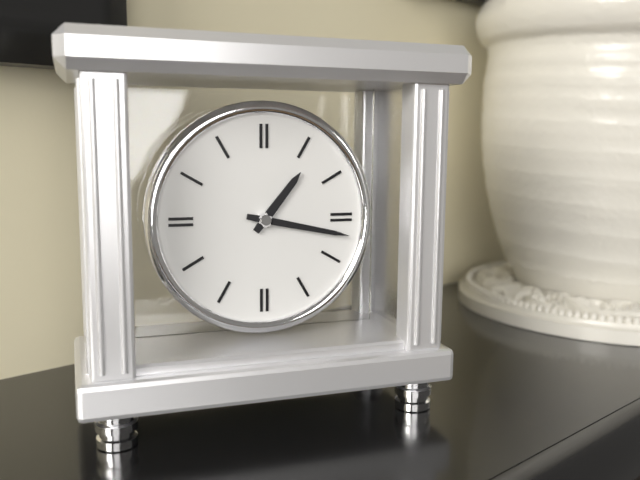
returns 1,17
